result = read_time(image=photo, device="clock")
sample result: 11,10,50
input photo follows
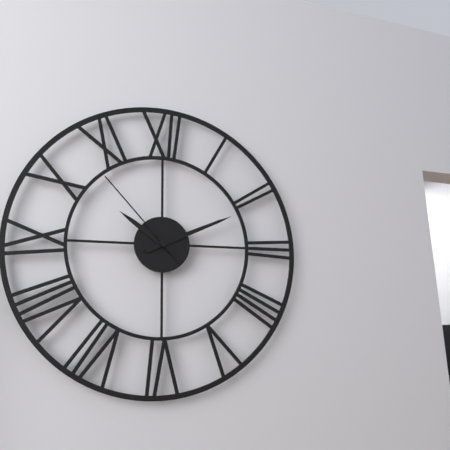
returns 10,11,53
